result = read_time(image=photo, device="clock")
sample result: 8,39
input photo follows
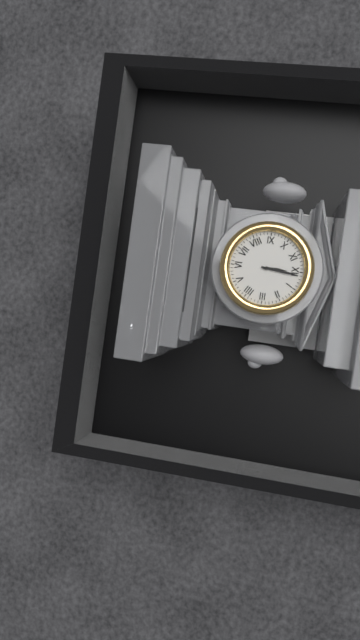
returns 12,01
